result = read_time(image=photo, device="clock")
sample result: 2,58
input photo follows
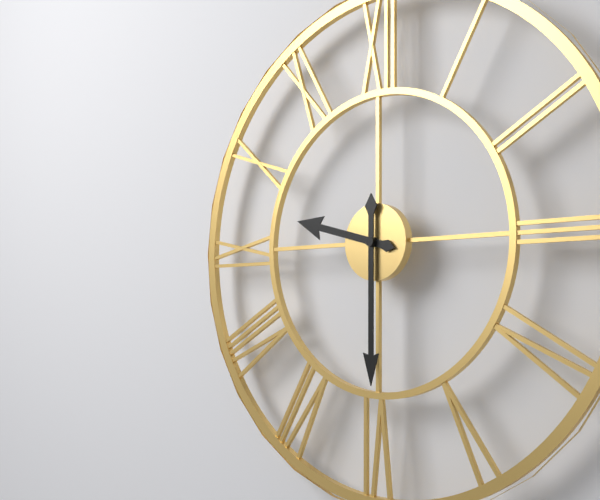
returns 9,30
